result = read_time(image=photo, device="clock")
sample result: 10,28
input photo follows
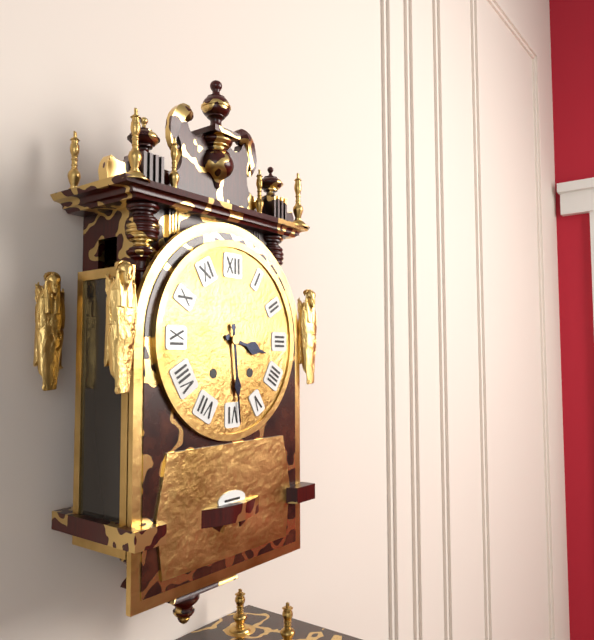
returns 3,29
